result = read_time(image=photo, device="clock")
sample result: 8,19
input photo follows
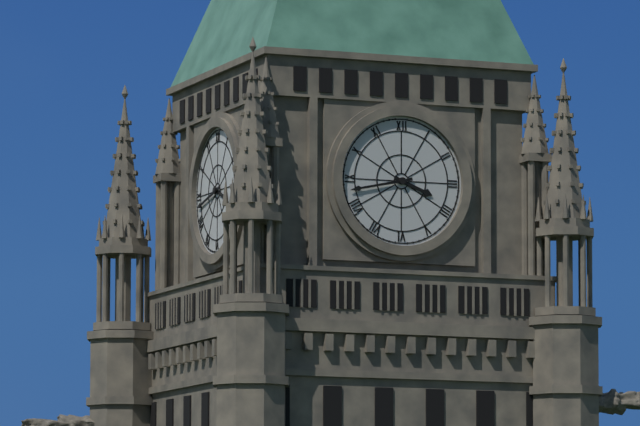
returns 3,43
